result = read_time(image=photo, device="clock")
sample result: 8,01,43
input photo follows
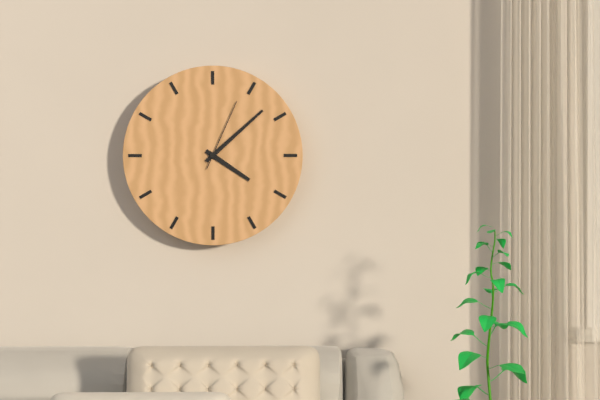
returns 4,08,04
